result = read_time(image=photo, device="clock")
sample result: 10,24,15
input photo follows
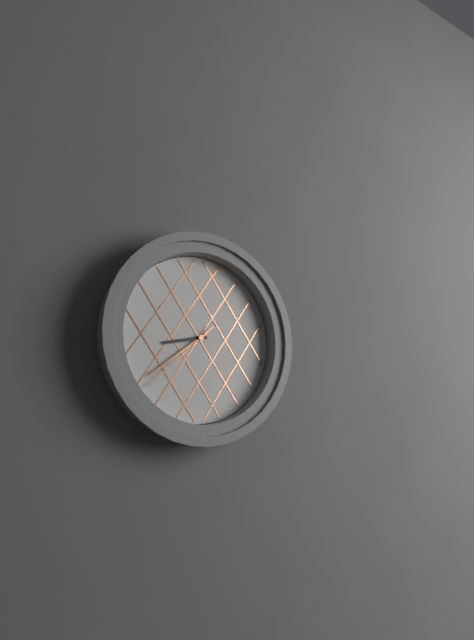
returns 8,39,38
